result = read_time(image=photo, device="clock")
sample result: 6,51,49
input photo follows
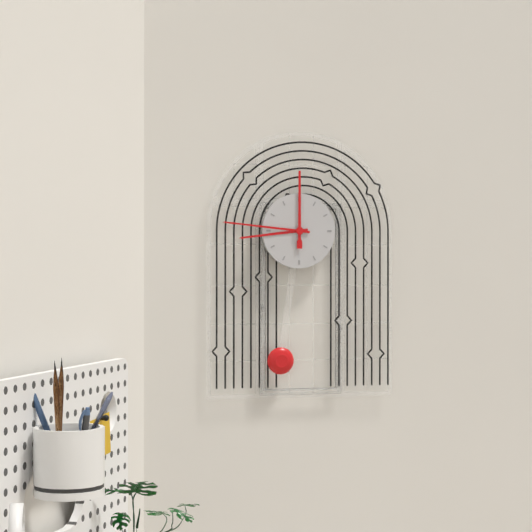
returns 8,46,00
